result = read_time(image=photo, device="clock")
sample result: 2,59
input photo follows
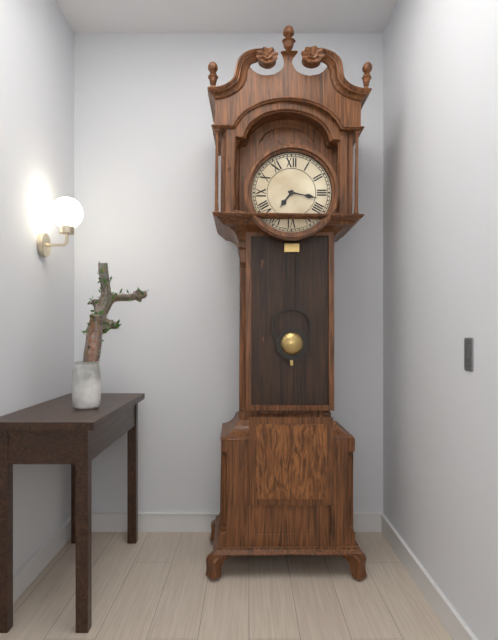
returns 7,17
